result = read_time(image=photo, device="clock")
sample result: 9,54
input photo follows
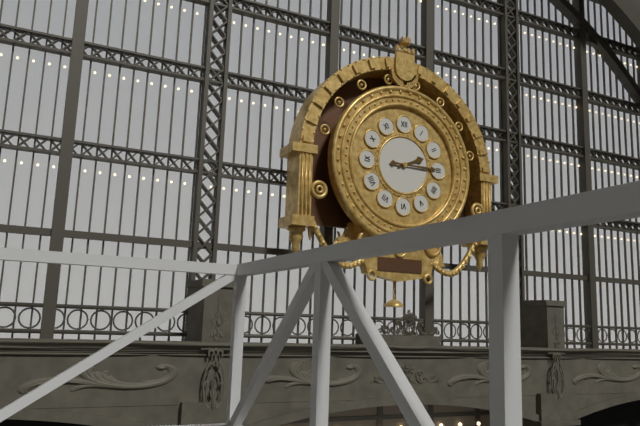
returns 2,15
